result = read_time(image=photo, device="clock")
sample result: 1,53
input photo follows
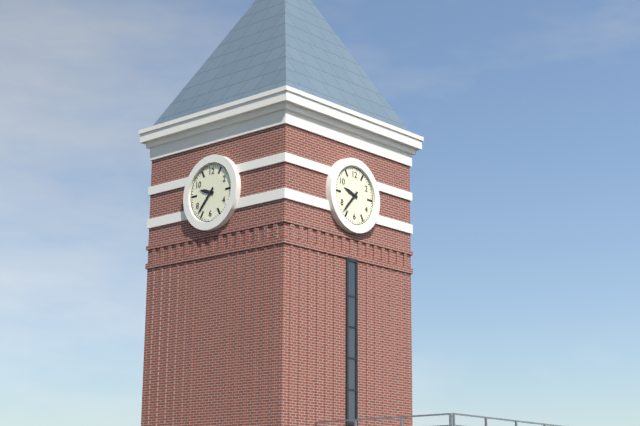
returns 9,37
